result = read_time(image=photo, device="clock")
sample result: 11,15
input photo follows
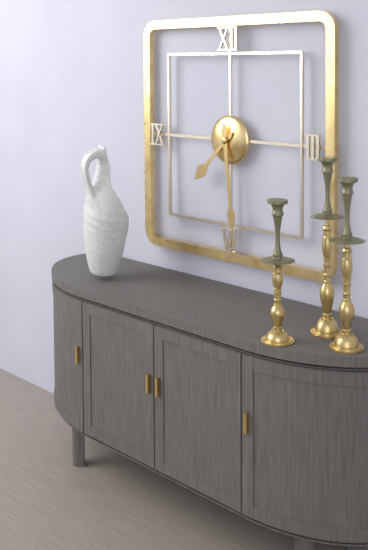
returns 7,29
